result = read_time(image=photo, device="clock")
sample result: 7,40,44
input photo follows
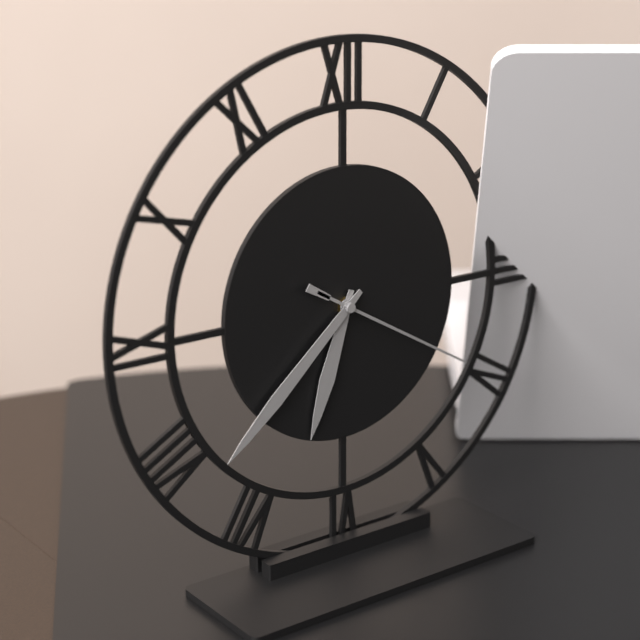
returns 6,38,20
